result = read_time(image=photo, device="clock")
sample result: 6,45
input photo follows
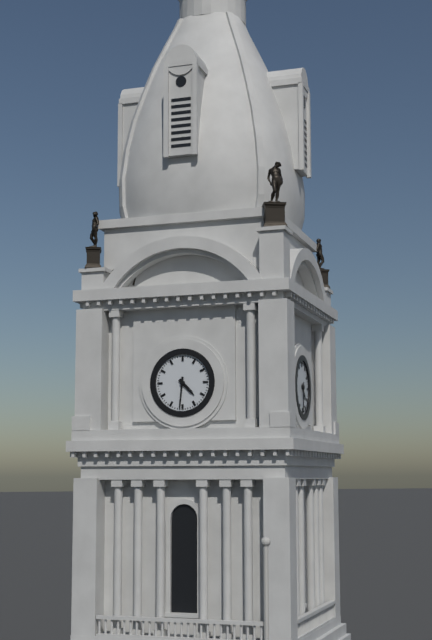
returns 4,31
